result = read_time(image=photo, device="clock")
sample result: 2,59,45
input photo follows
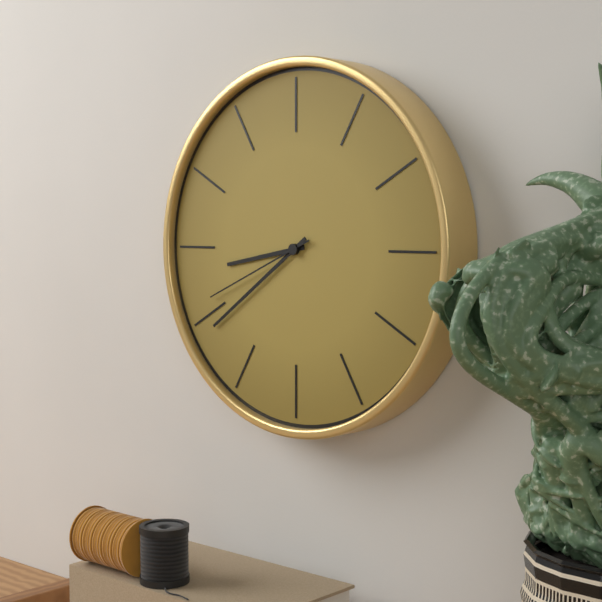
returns 8,39,41
